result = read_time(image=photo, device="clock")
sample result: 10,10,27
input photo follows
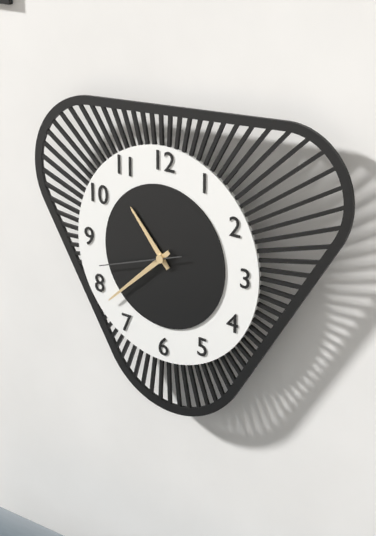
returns 10,38,42
